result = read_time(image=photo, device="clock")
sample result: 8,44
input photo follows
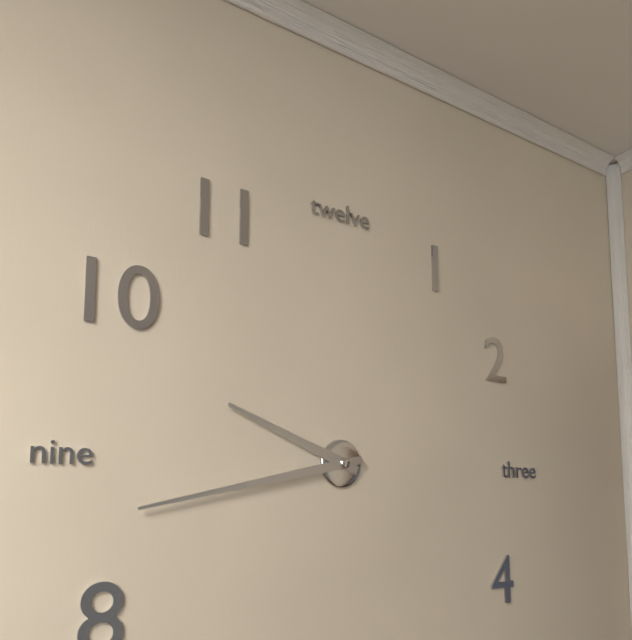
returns 9,43
